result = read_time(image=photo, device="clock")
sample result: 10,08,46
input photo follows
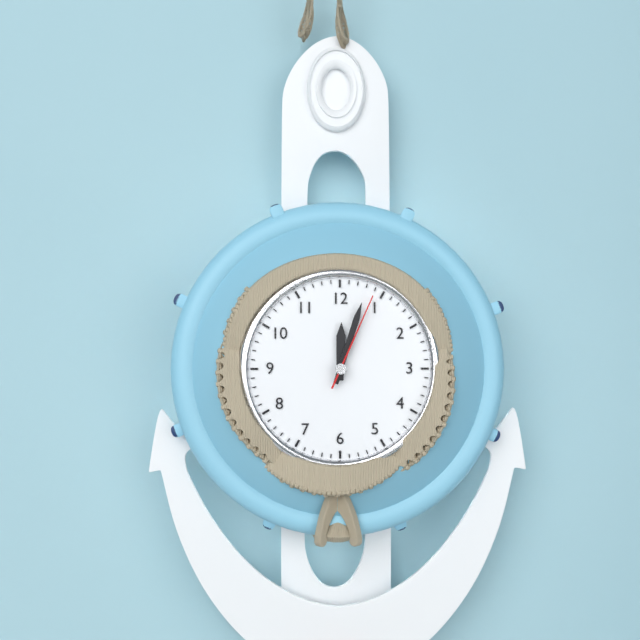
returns 12,03,04
